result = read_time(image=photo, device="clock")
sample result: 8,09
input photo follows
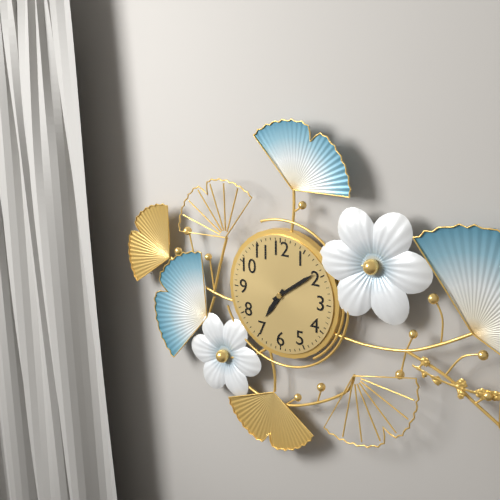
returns 7,09
